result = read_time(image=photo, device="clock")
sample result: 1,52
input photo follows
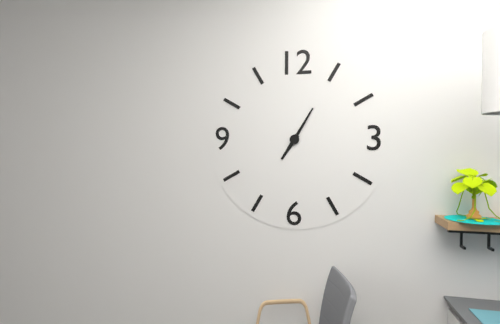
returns 7,05
